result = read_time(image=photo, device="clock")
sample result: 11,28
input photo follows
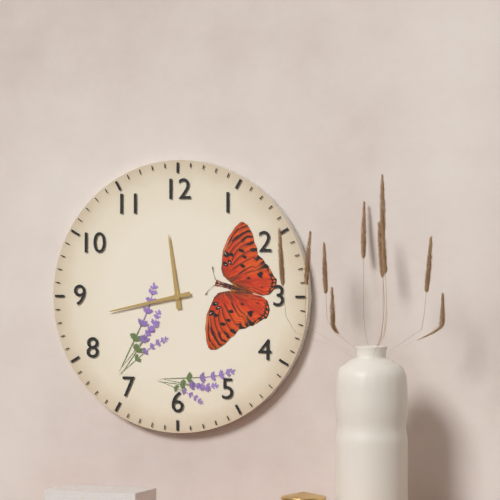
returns 11,43
